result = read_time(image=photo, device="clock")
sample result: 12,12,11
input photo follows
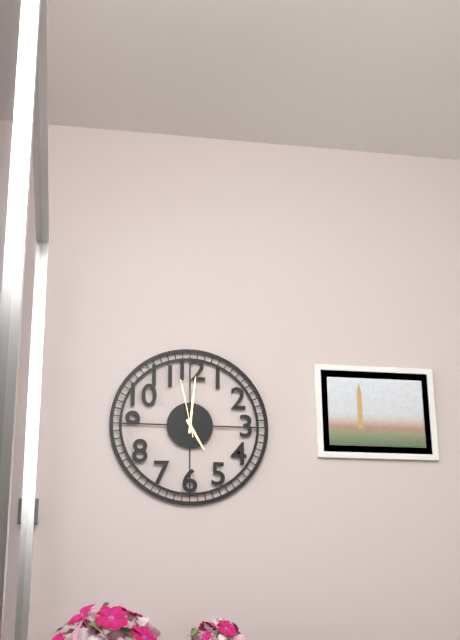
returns 5,01,58
